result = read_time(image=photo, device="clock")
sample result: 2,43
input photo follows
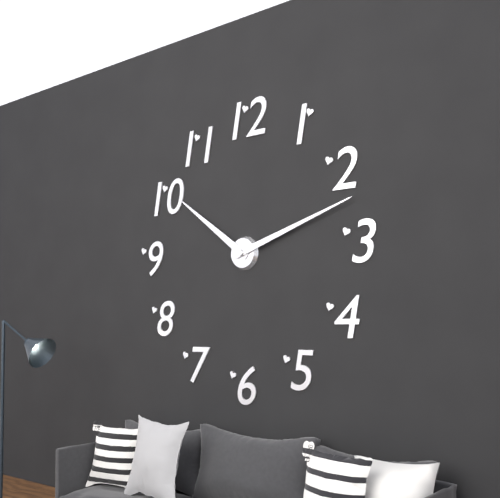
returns 10,12
